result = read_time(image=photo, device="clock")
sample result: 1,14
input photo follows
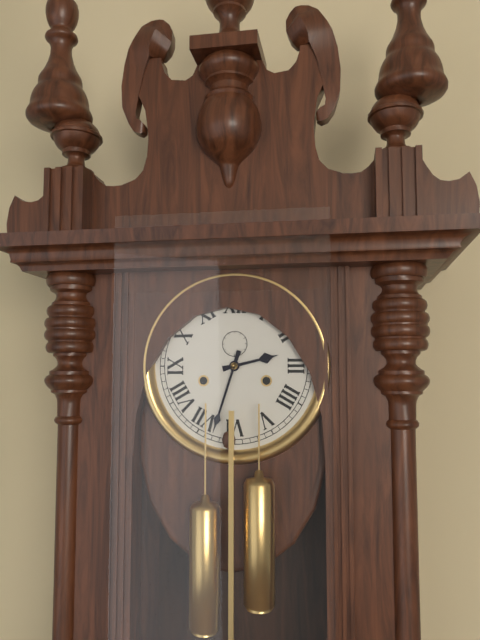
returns 2,33
